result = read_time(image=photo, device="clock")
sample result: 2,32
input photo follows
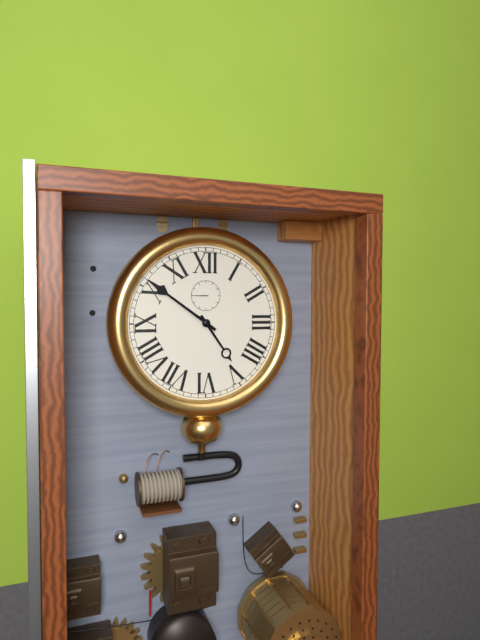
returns 4,51
